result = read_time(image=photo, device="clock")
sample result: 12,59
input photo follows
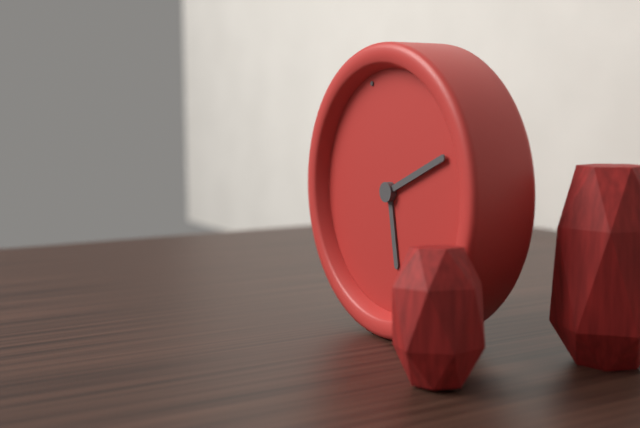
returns 6,14
